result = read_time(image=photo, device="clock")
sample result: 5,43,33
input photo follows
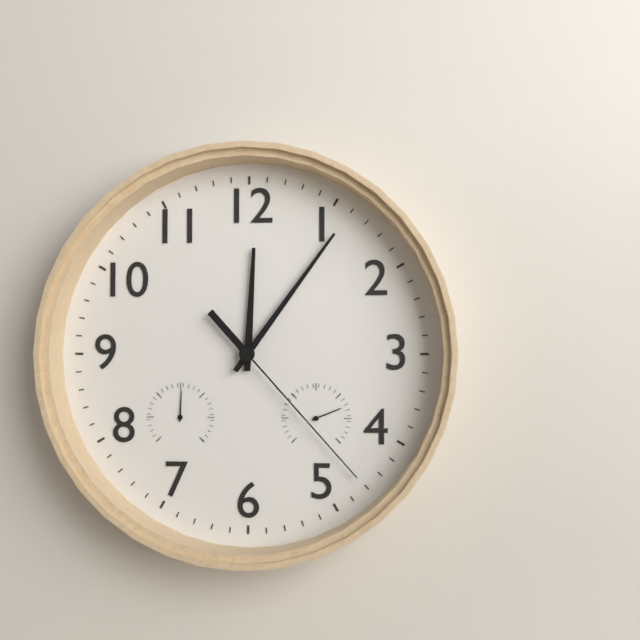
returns 12,06,23
